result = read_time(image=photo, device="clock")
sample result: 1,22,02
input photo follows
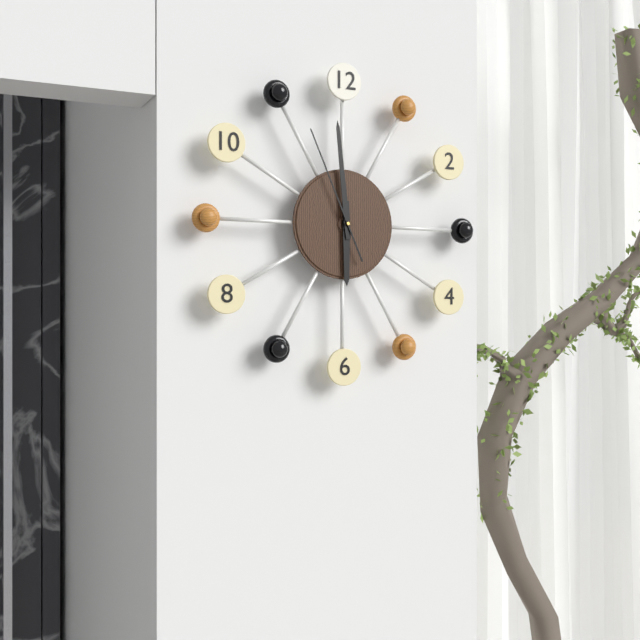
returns 5,59,56
